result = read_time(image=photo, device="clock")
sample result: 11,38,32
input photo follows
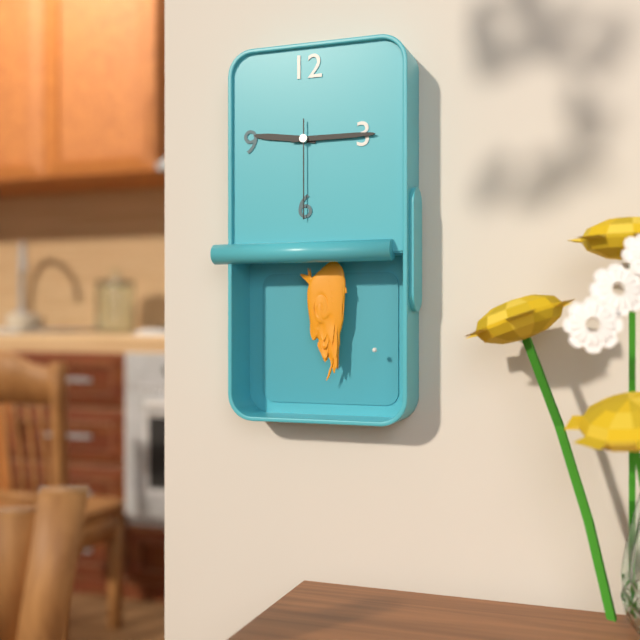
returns 9,15,30
